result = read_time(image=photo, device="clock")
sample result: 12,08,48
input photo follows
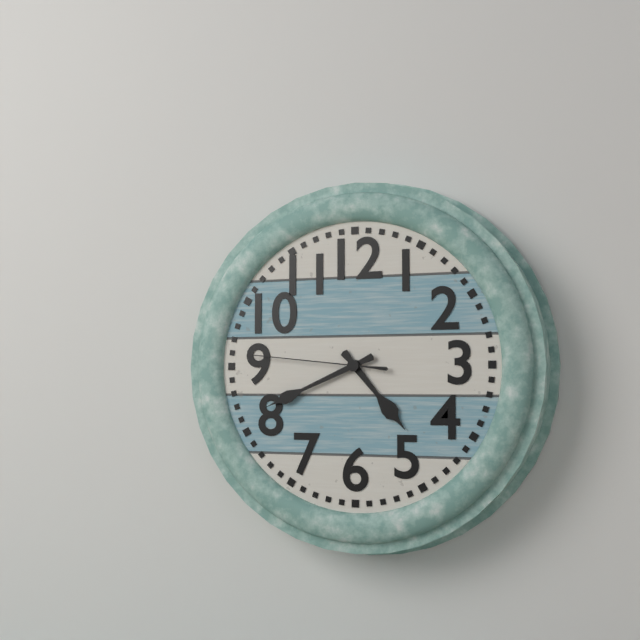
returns 4,41,46
